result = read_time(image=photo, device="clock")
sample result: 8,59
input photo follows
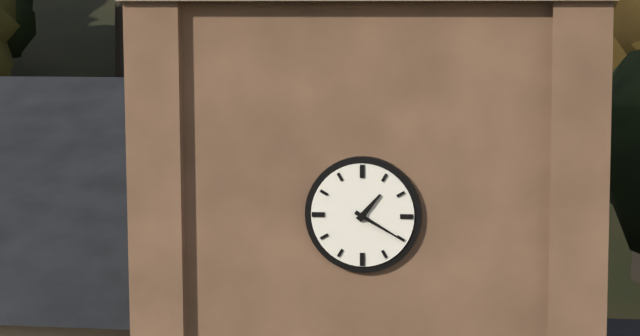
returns 1,20
